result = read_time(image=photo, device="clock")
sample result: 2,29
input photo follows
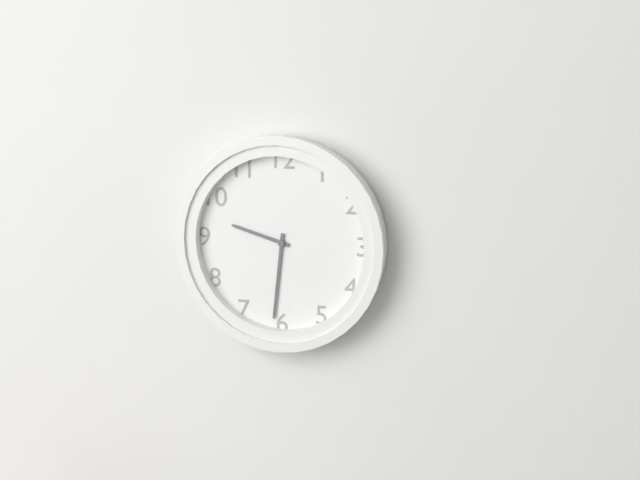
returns 9,31
